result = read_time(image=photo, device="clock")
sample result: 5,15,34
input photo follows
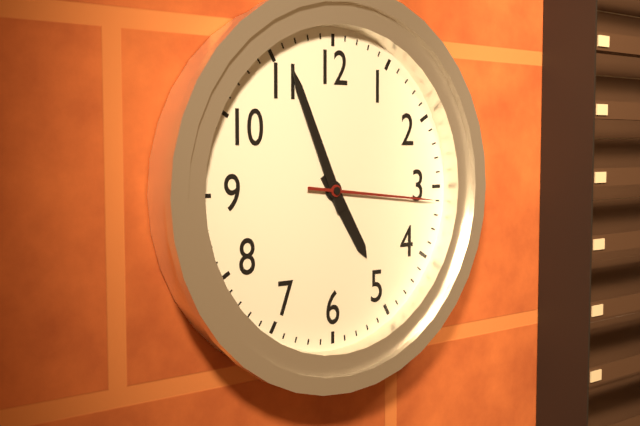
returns 4,56,16
